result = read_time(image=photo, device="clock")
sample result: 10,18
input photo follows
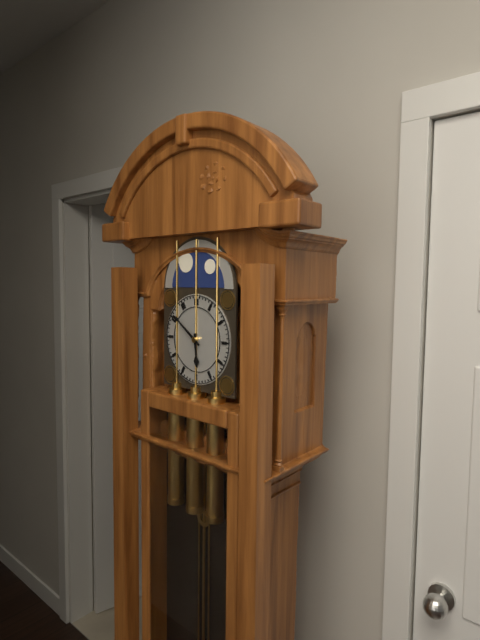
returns 5,51
